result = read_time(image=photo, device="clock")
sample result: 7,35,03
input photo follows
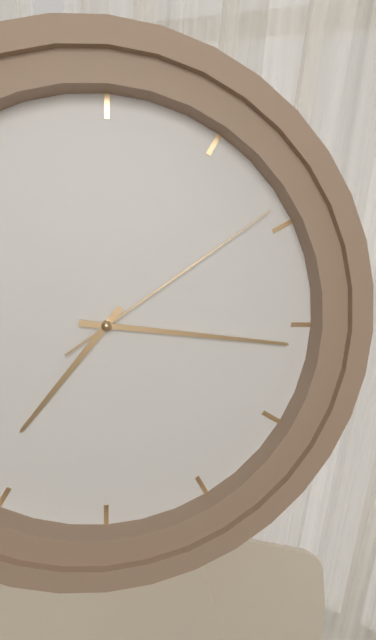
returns 7,16,09
